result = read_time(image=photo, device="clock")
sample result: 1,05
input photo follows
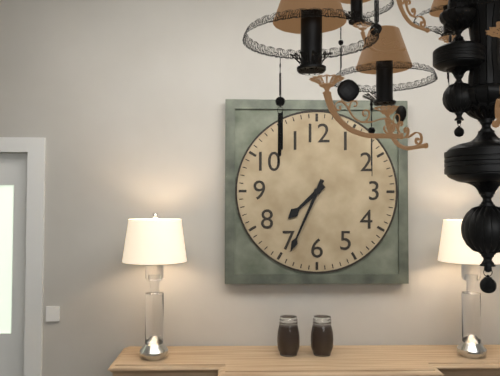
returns 7,34
